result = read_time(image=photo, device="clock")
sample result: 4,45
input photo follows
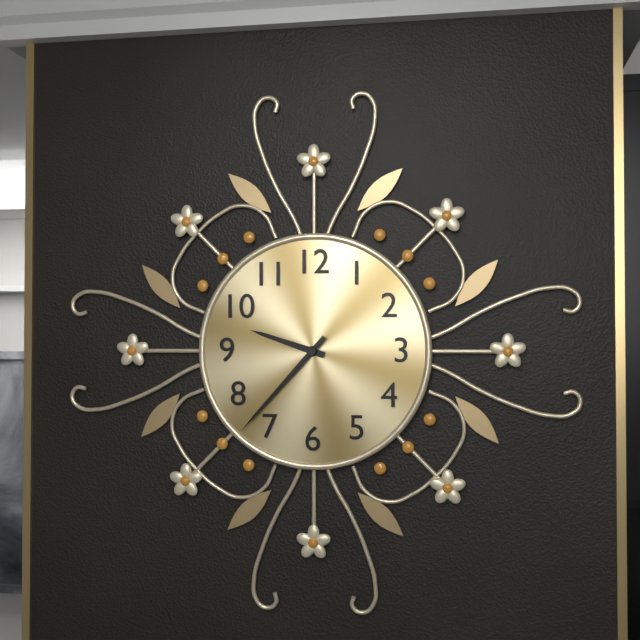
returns 9,37
